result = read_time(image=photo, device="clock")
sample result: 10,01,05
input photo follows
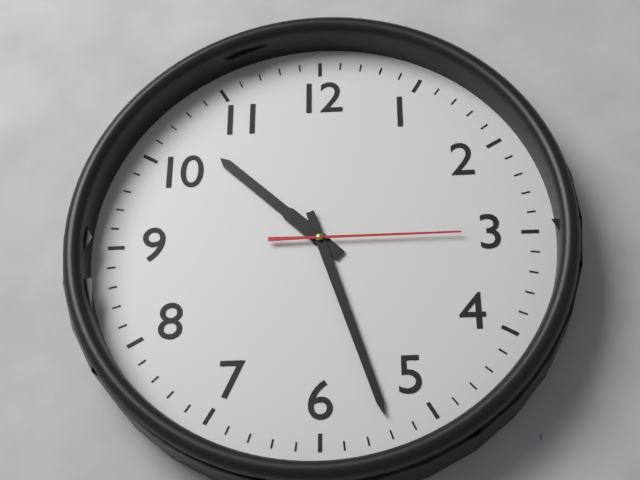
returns 10,27,15
